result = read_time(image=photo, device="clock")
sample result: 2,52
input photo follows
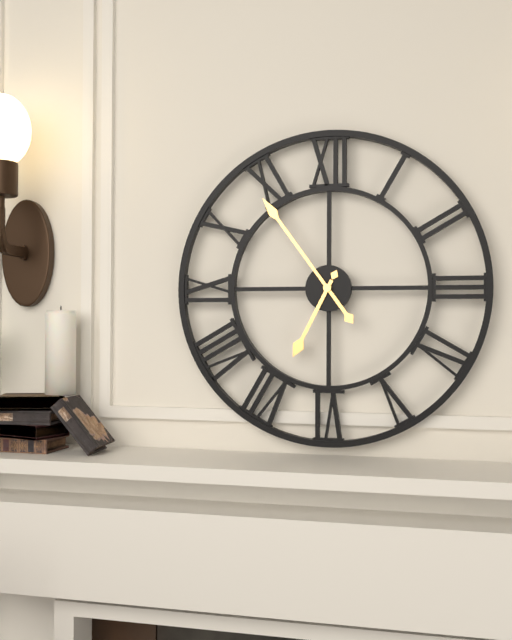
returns 6,54
